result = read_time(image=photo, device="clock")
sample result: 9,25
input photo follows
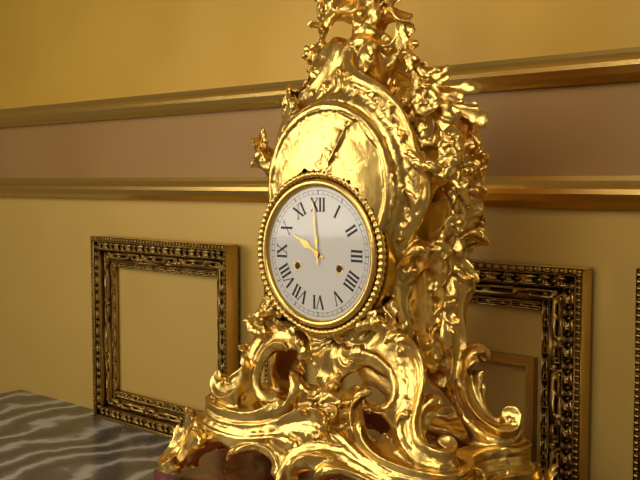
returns 9,59
